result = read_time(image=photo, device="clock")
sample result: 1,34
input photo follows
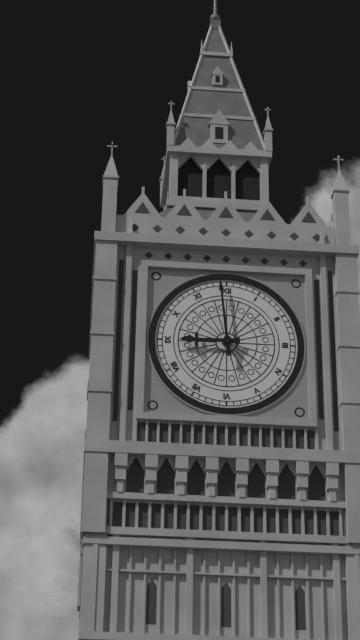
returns 8,59
